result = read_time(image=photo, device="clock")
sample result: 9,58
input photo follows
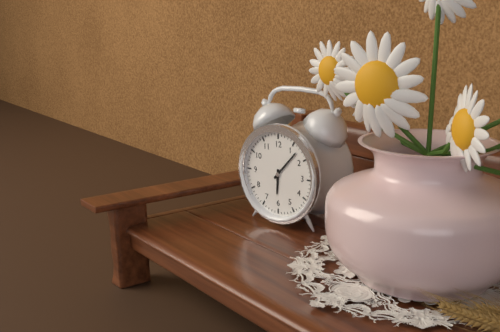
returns 6,07
